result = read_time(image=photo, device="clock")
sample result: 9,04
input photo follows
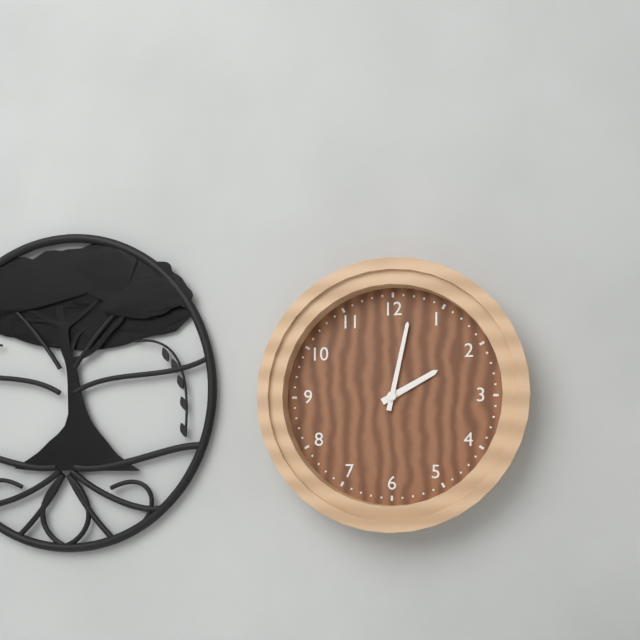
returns 2,02
